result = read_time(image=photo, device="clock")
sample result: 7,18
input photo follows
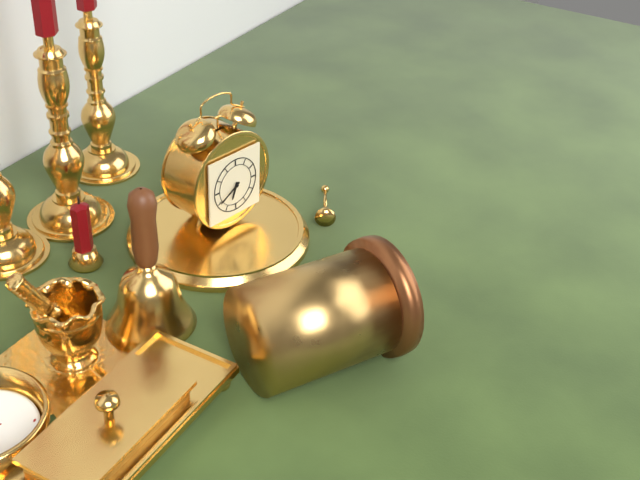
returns 6,40
